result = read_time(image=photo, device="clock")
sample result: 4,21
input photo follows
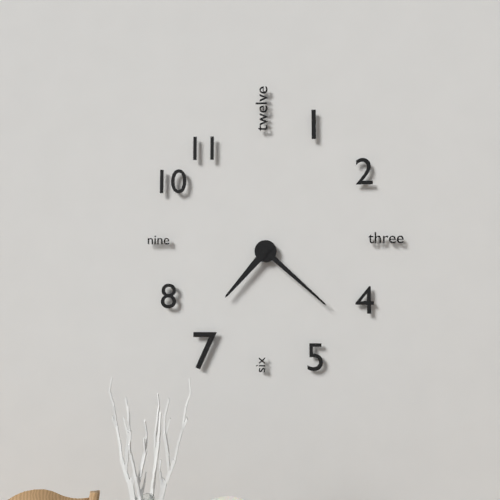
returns 7,22
